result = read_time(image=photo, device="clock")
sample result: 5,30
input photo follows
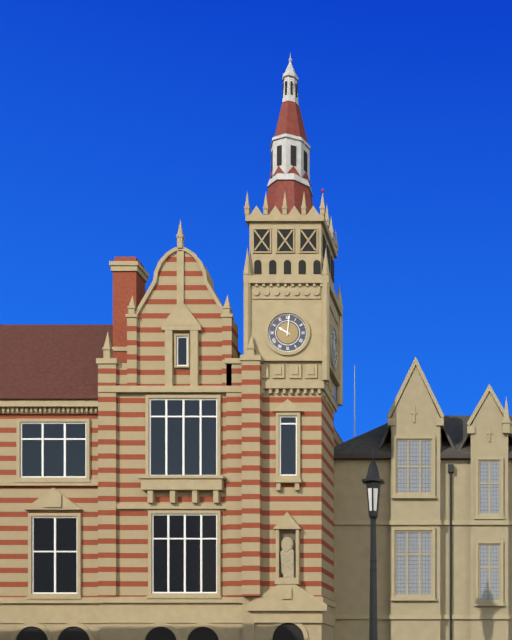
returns 10,01
